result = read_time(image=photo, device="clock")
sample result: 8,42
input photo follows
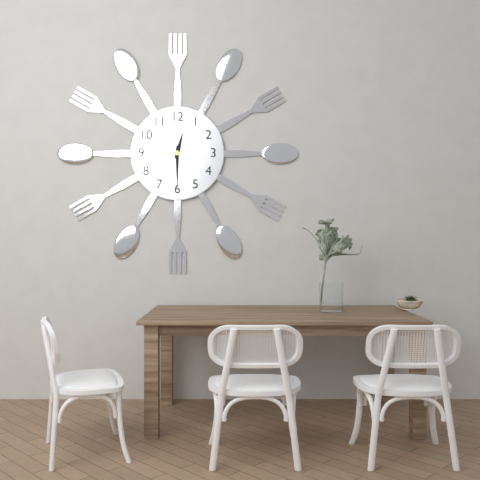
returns 12,30
